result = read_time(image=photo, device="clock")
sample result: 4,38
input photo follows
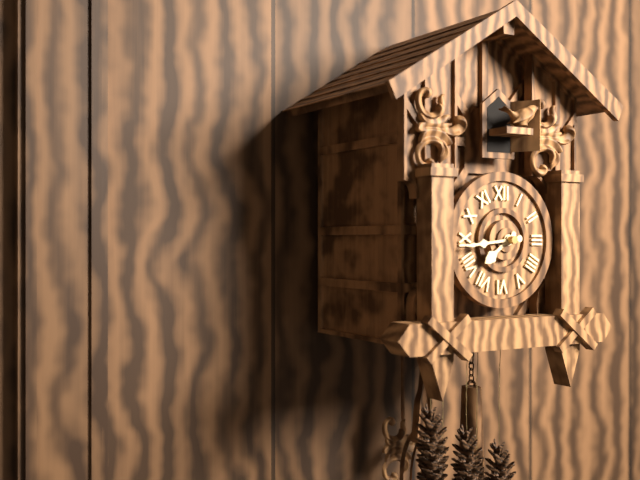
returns 7,44
